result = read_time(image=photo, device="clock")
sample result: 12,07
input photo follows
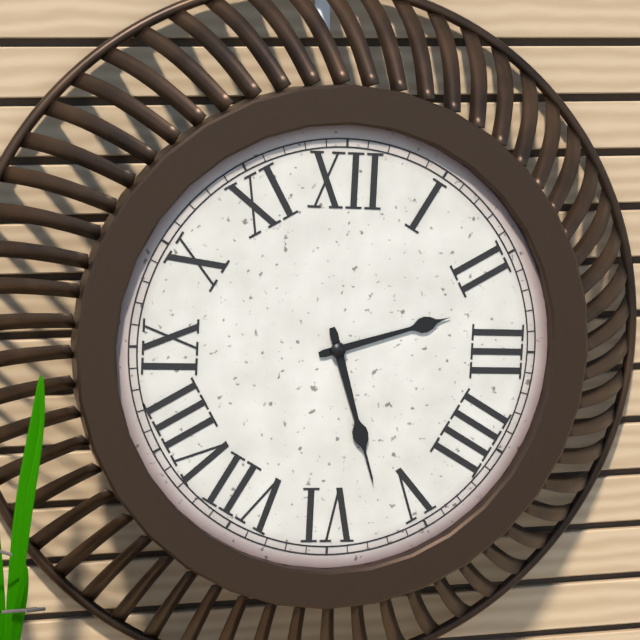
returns 2,27
